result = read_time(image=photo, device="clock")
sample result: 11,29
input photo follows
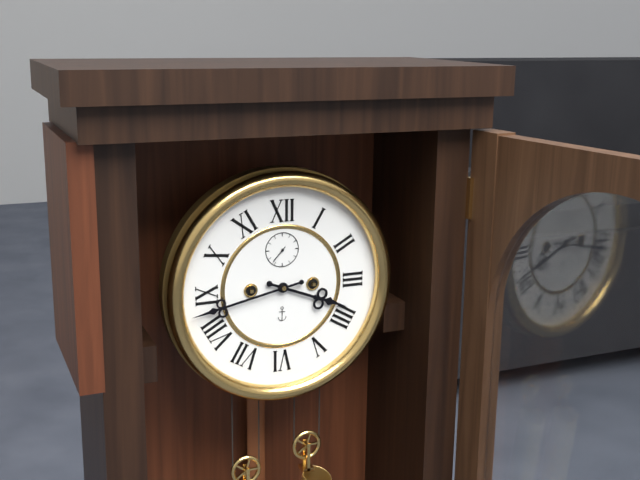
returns 3,43
